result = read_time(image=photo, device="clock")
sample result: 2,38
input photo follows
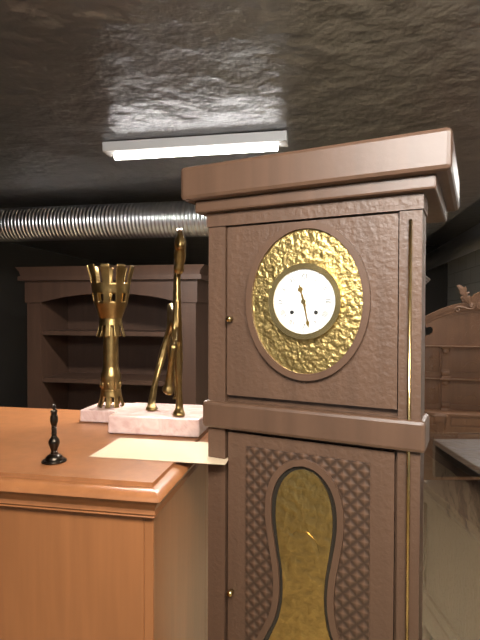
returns 11,28
